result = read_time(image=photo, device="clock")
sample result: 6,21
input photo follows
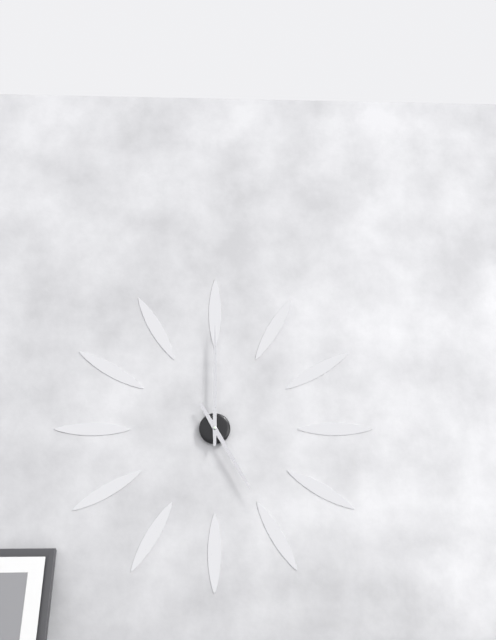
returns 5,00
